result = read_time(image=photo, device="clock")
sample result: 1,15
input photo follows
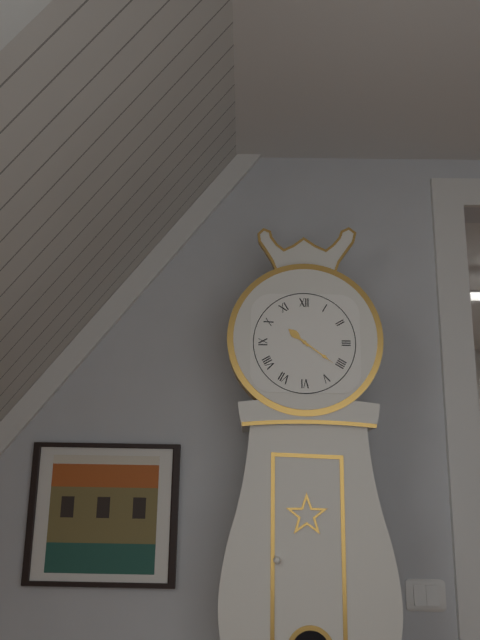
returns 10,21
